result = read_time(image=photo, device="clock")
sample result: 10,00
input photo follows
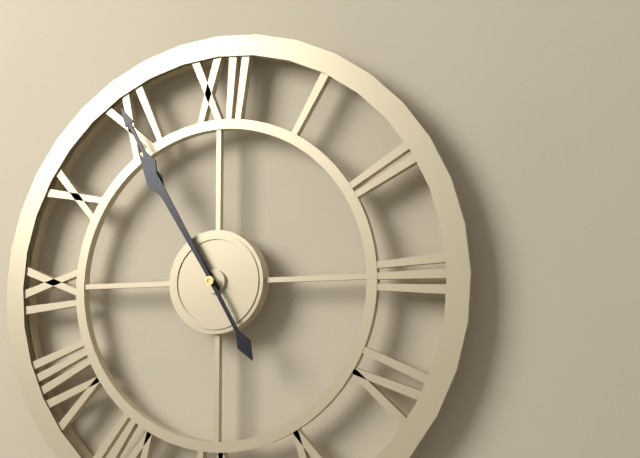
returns 10,55
